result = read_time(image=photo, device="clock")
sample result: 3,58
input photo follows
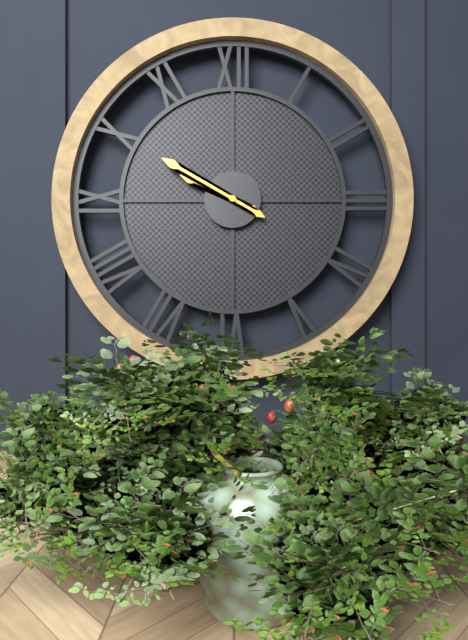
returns 9,50
